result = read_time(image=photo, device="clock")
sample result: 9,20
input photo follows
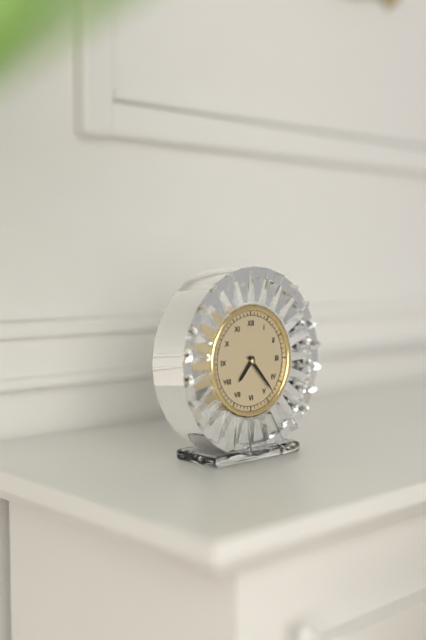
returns 7,23
